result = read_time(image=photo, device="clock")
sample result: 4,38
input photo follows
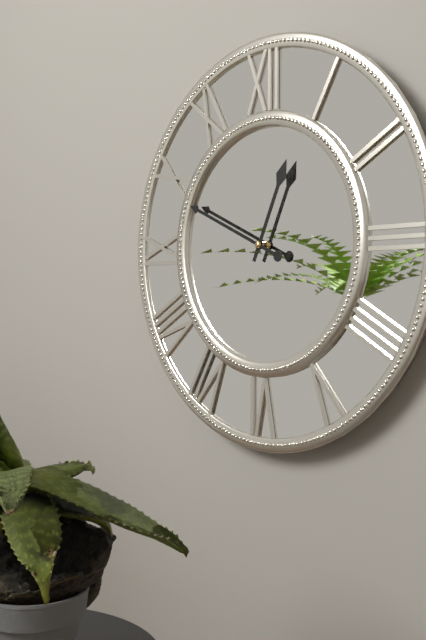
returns 12,49
